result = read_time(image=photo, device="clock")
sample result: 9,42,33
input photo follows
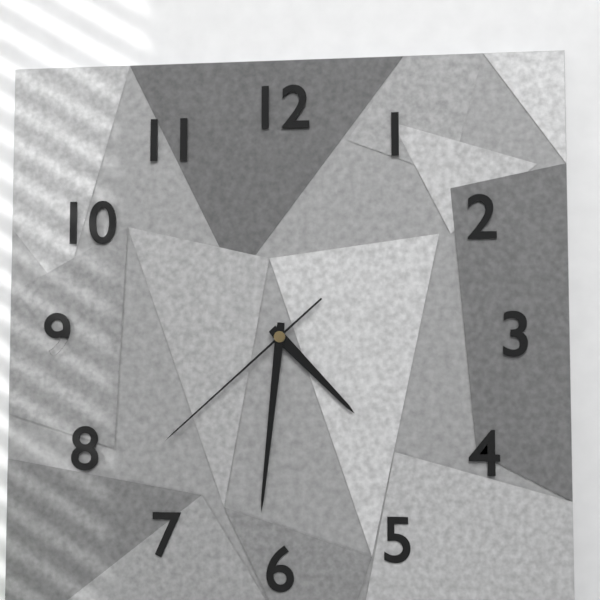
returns 4,31,38
